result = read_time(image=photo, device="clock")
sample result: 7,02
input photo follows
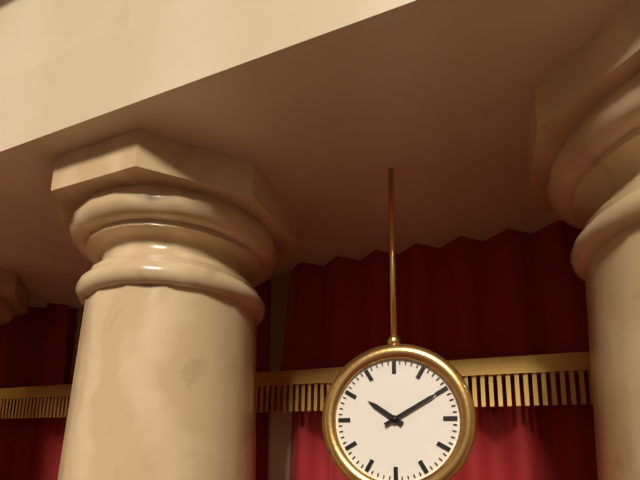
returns 10,10
